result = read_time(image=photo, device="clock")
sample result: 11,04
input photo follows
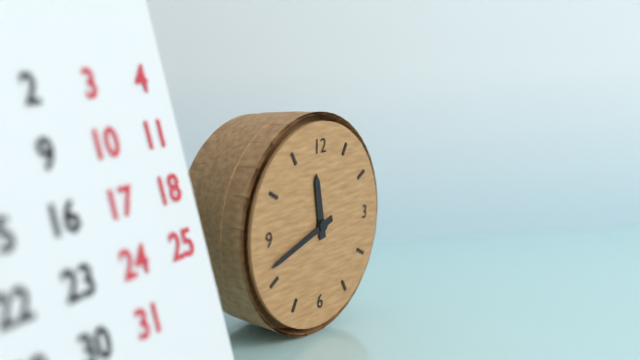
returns 11,42
